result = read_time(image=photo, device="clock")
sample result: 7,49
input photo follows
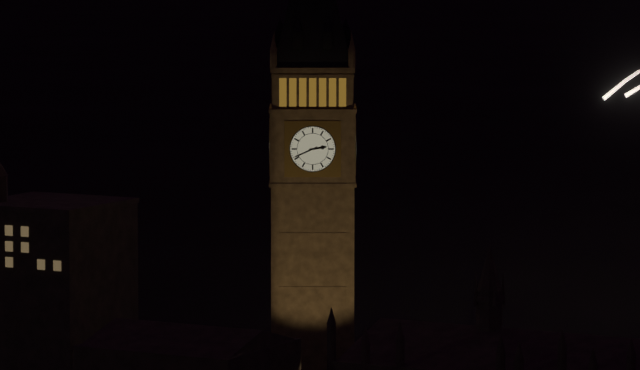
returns 2,41
